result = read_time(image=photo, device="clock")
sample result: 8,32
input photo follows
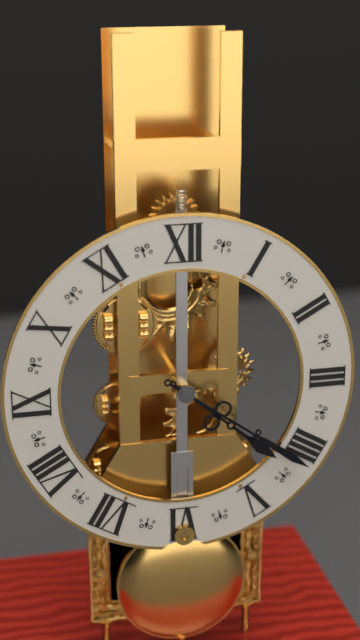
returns 4,21
